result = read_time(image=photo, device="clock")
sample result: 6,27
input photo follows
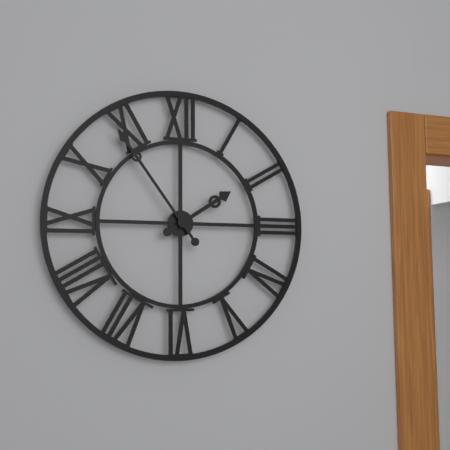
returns 1,54
